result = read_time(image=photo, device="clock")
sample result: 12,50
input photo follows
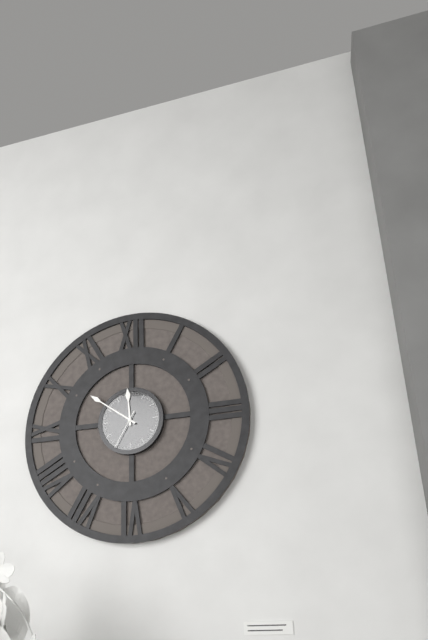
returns 11,51
